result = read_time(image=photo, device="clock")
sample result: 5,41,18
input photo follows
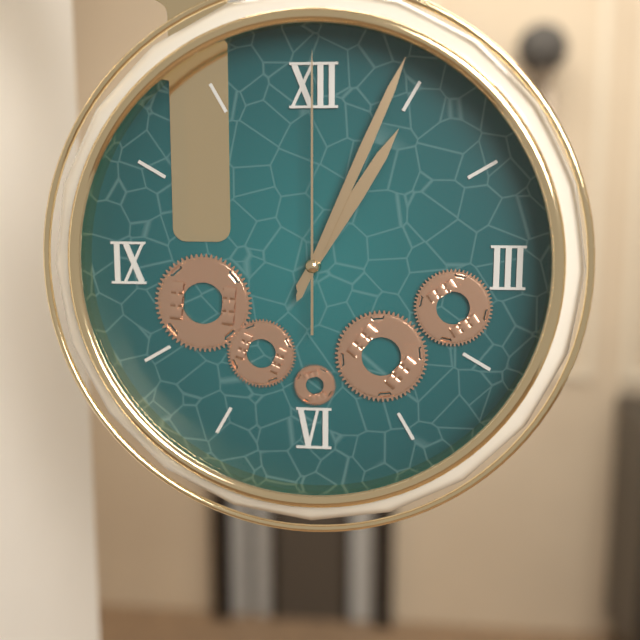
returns 1,04,00
